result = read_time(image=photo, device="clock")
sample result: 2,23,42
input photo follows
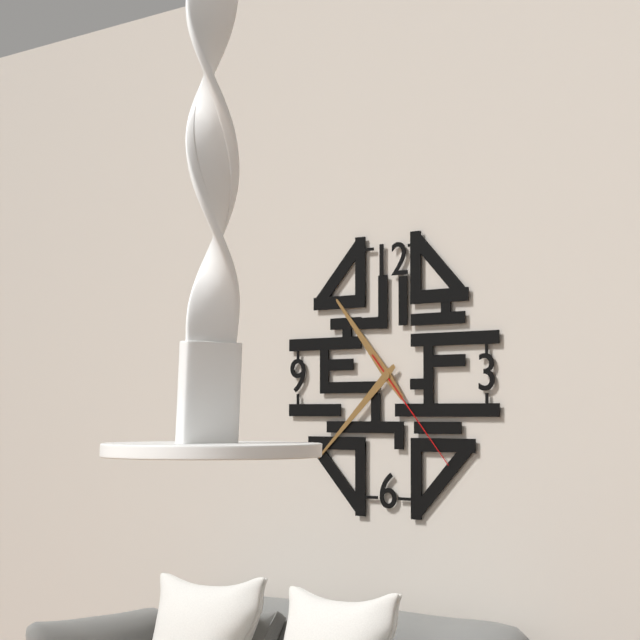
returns 10,38,23
